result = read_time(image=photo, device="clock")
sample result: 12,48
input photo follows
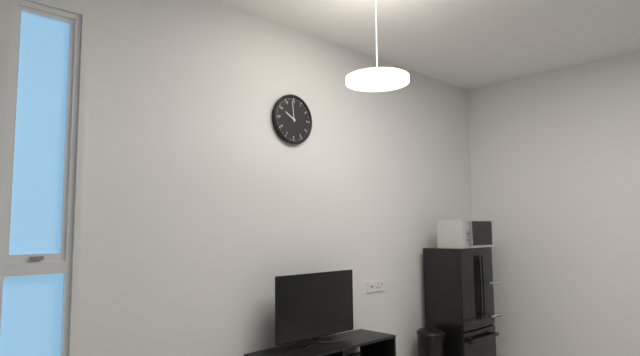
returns 9,59
